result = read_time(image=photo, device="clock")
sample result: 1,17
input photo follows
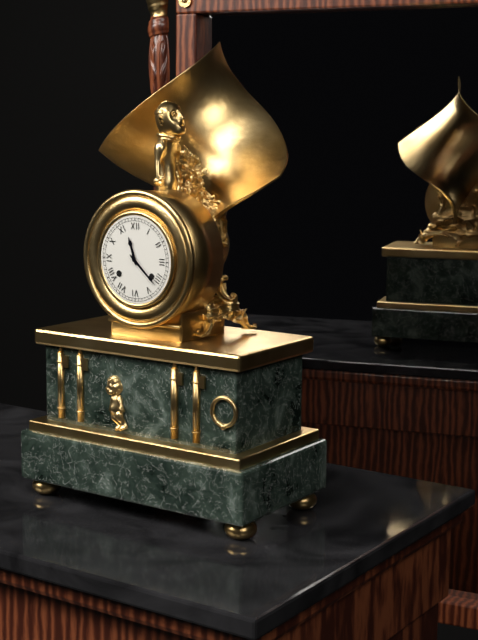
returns 11,22
